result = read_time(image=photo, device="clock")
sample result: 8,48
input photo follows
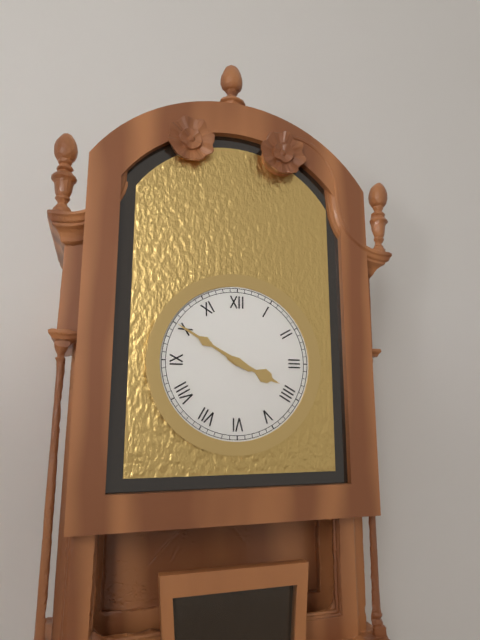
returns 3,50
